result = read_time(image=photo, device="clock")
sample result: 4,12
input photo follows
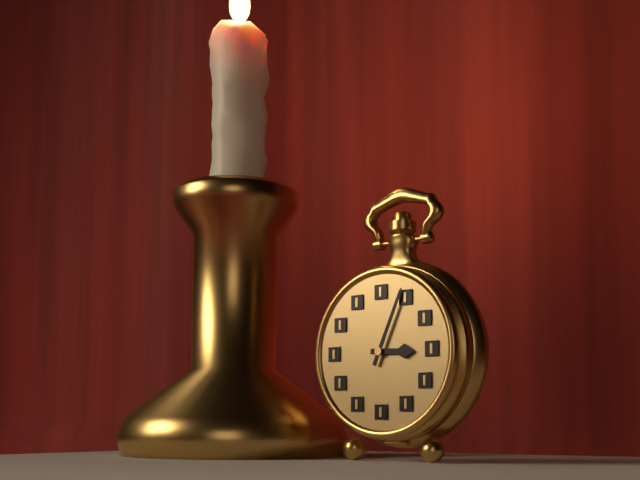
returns 3,04
